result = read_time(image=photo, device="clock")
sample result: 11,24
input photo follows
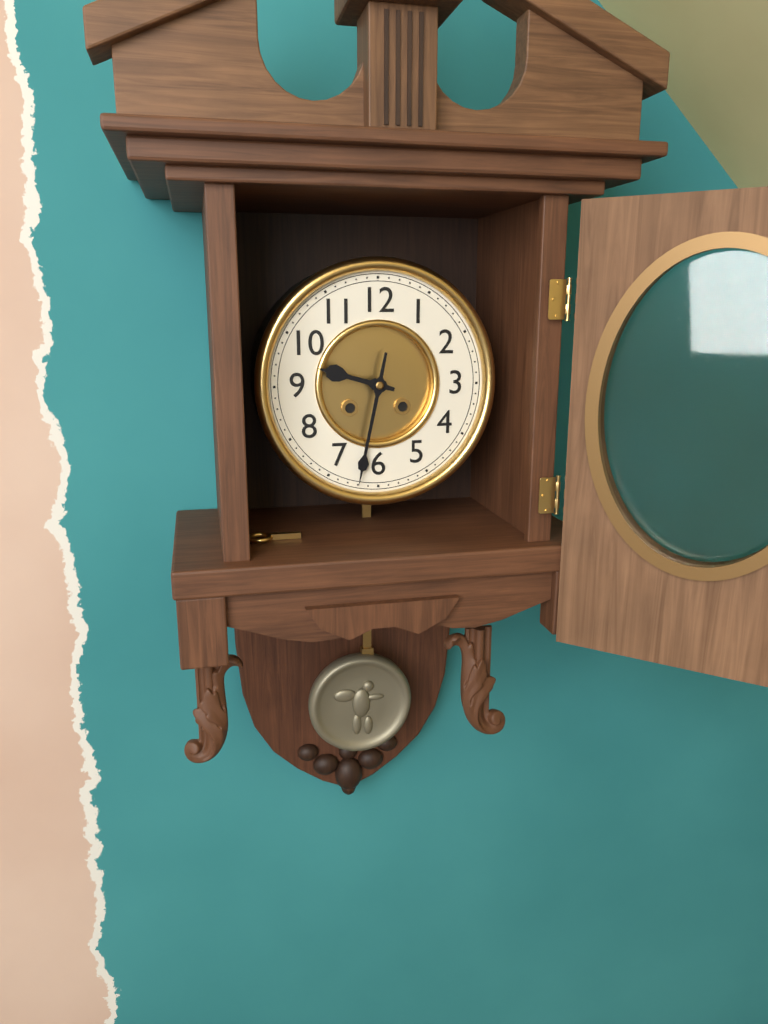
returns 9,32
